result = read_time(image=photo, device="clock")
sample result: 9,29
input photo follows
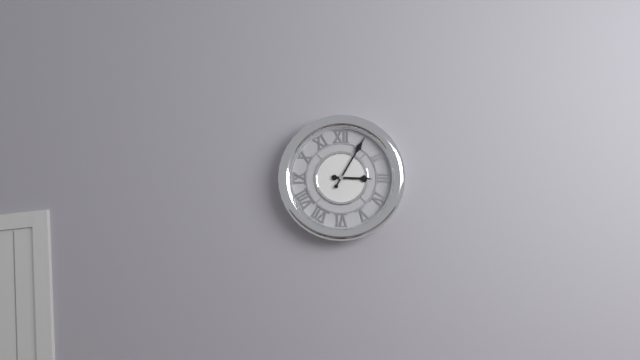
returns 3,05
